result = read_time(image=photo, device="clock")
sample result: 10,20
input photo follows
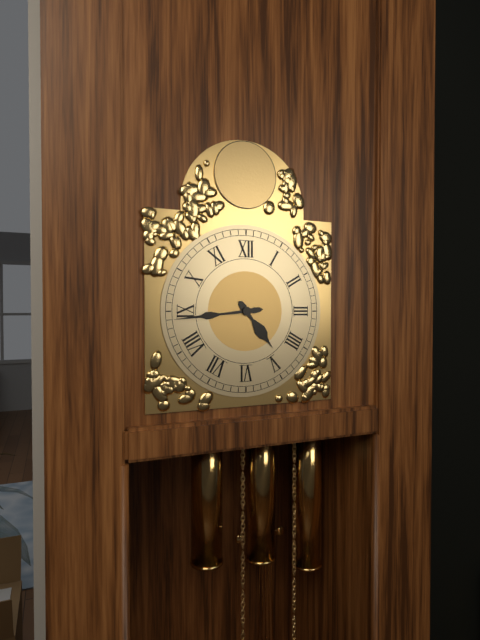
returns 4,44
